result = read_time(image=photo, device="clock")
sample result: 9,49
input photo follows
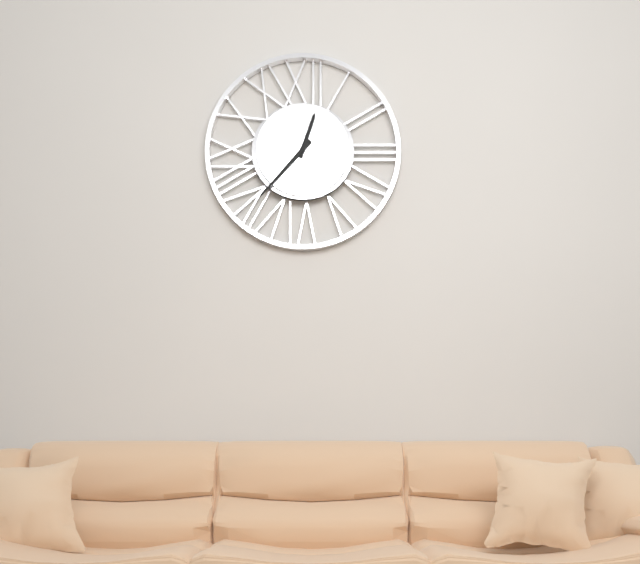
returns 12,37
